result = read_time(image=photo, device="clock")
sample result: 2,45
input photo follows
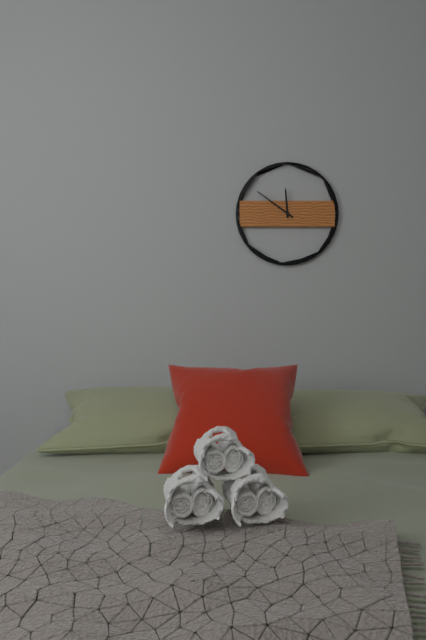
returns 11,51
